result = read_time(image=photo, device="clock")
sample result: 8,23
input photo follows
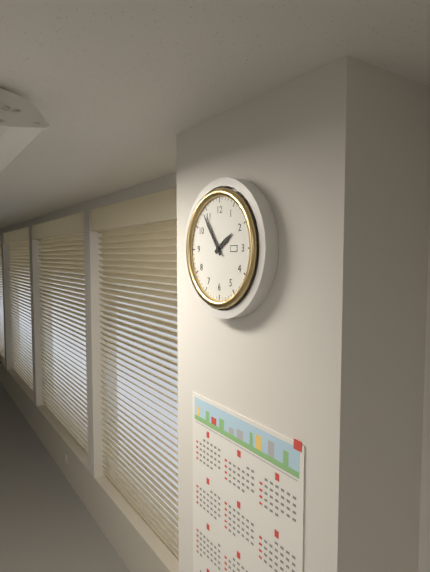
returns 1,54
